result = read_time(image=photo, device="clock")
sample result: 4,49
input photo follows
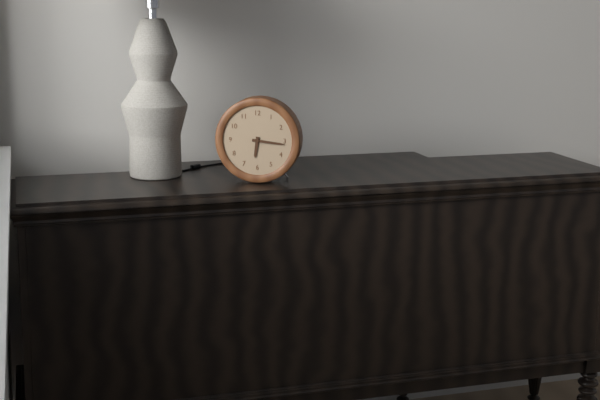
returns 6,16
